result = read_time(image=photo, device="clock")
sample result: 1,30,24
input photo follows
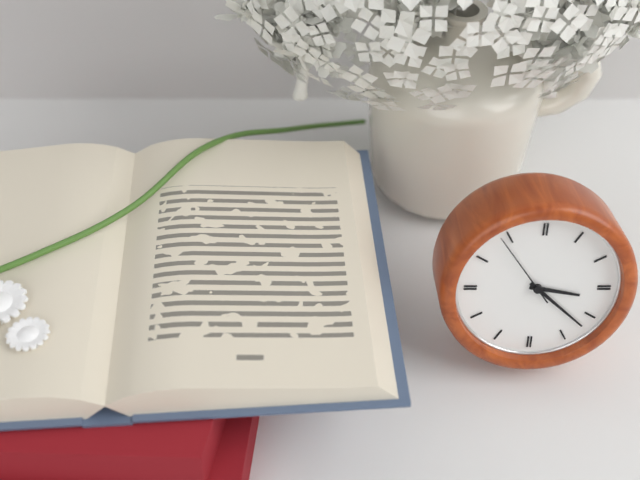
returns 3,22,54
